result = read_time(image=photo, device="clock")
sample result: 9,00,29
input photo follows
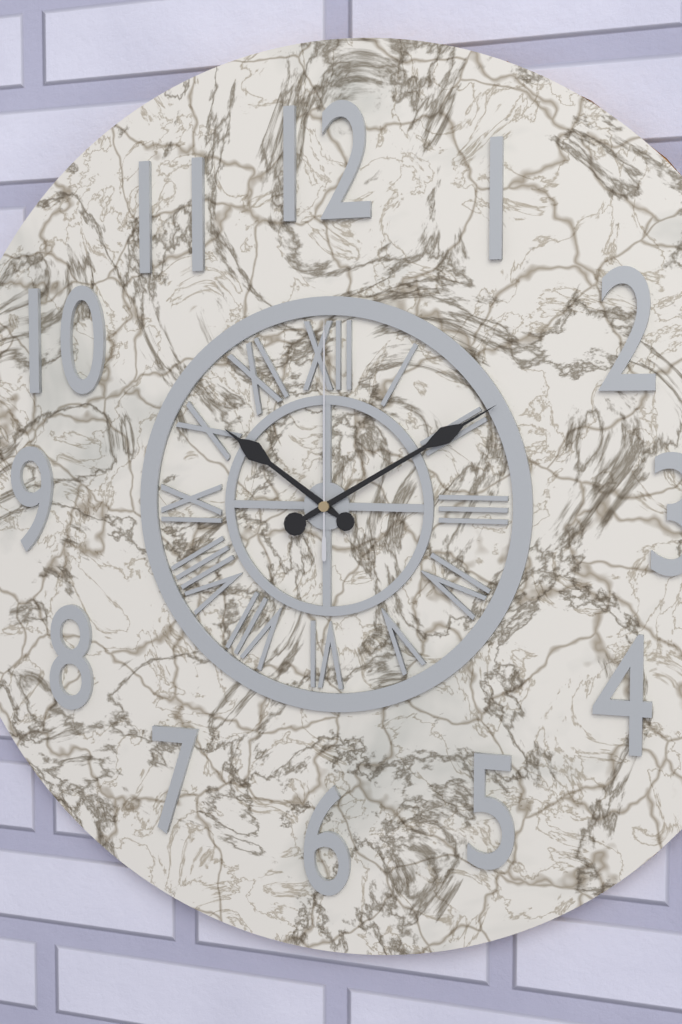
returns 10,10,00
